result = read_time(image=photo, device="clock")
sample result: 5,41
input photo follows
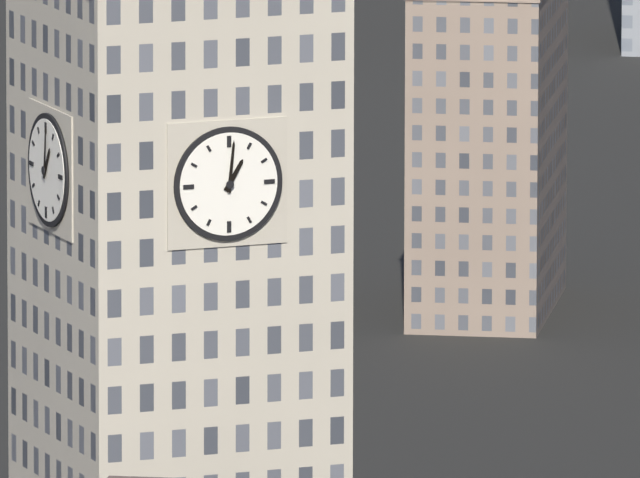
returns 1,01
